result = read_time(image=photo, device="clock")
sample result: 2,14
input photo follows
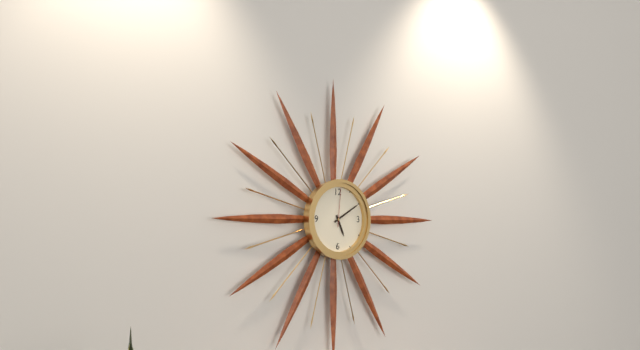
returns 5,10
